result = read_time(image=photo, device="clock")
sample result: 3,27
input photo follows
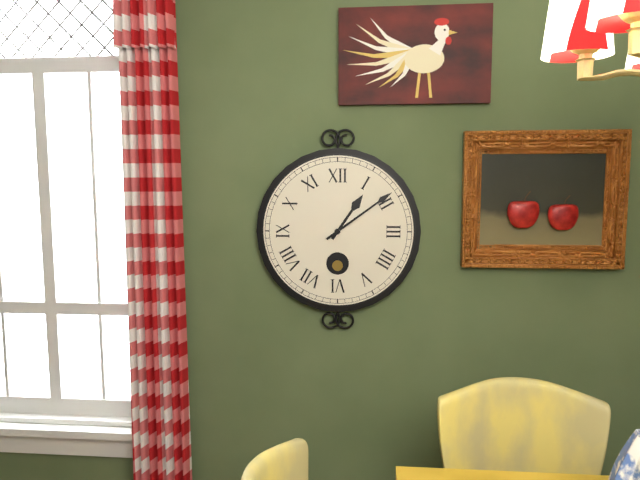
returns 1,09
